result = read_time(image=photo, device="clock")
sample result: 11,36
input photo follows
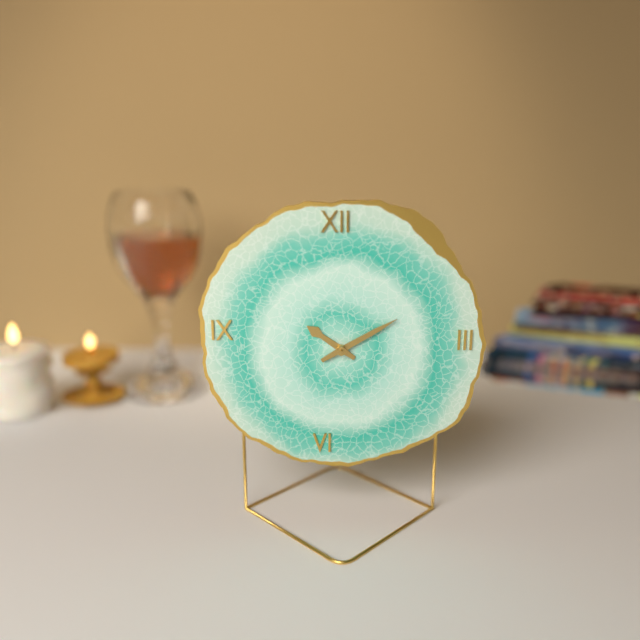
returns 10,10
